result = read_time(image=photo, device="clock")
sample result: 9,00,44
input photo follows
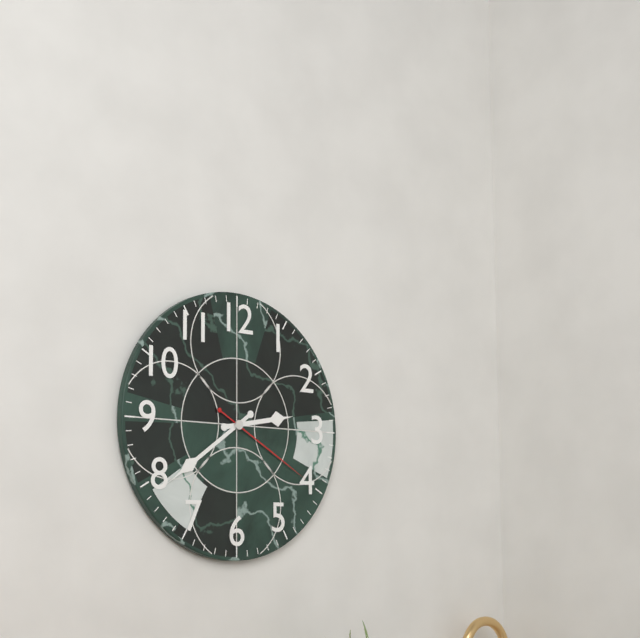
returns 2,39,20
